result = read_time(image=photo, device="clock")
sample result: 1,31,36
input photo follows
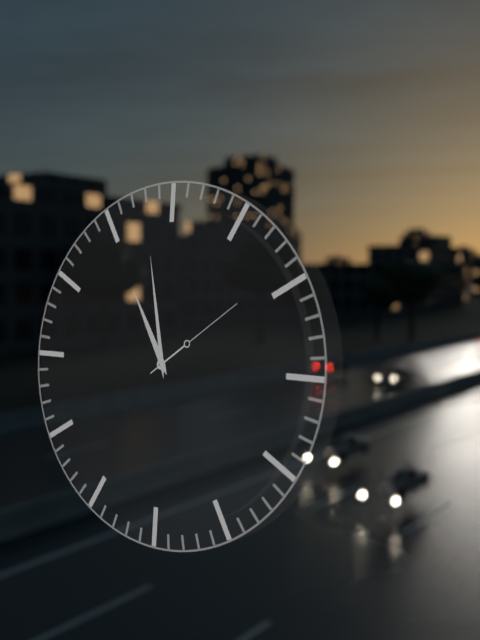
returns 10,58,09
